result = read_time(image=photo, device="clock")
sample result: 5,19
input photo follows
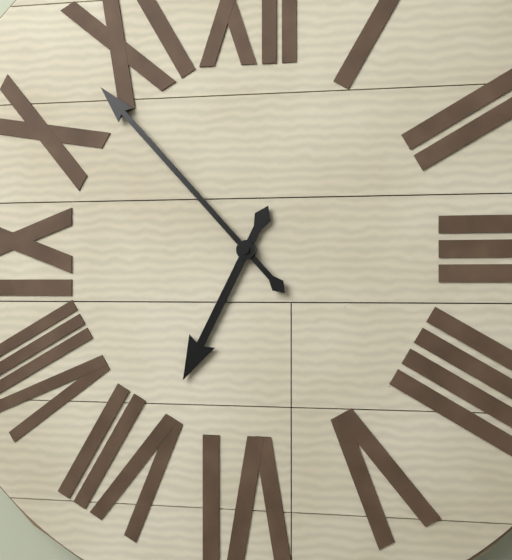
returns 6,53
